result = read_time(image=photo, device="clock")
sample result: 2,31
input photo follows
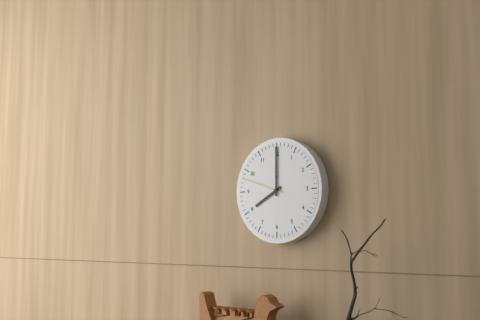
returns 8,00
